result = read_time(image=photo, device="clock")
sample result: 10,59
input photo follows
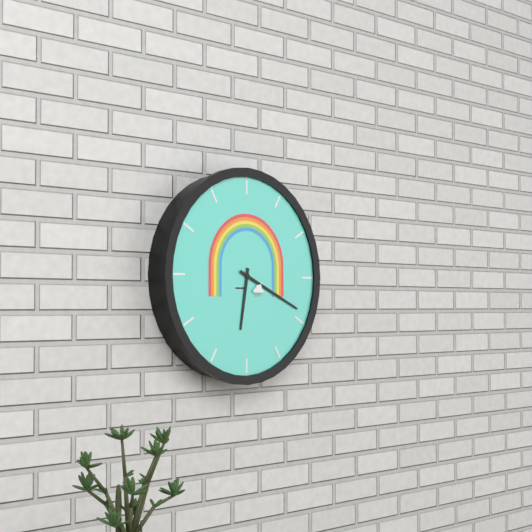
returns 6,19
